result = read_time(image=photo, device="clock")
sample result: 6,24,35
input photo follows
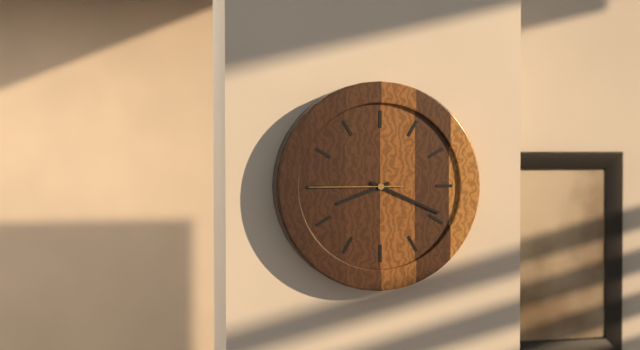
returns 8,19,45
